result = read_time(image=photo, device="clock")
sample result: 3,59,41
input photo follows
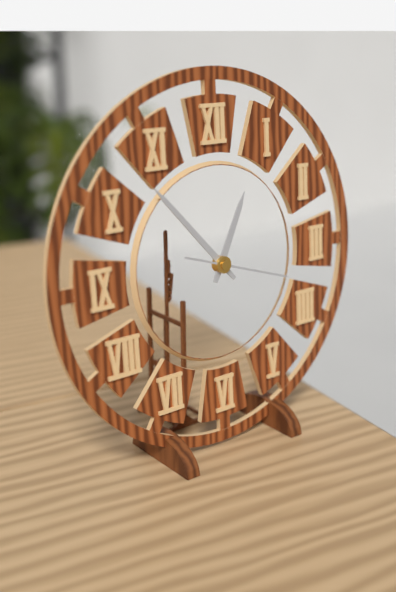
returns 12,53,18
